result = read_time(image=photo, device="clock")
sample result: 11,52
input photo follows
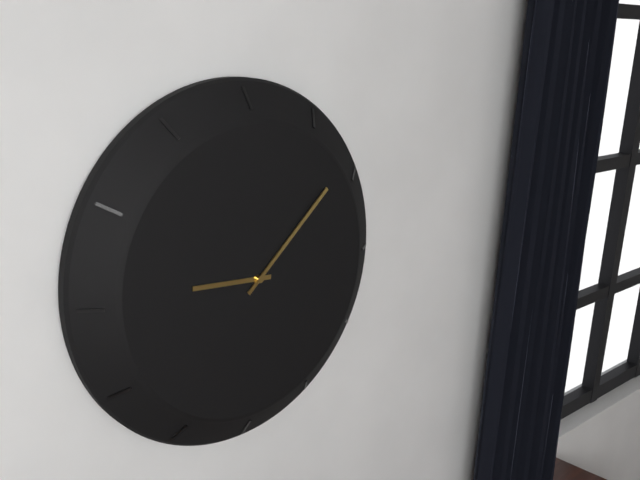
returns 9,08
